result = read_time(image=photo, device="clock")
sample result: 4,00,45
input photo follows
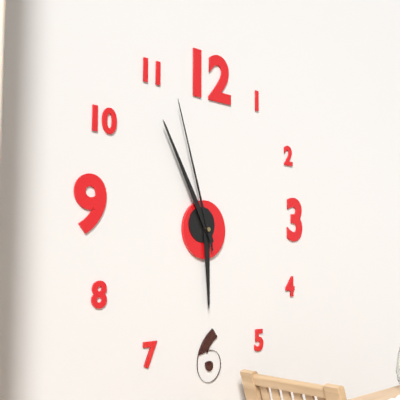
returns 5,55,57
